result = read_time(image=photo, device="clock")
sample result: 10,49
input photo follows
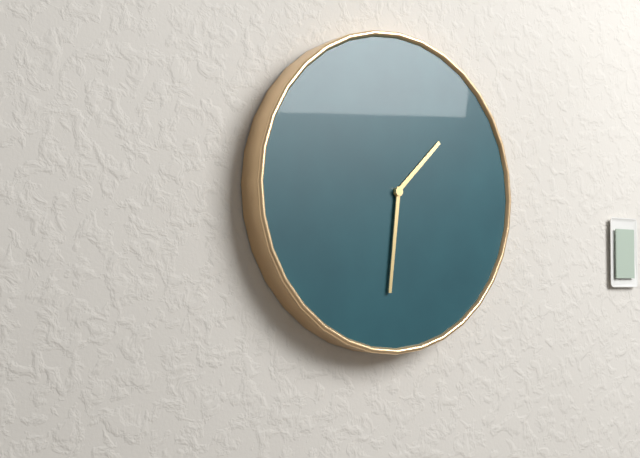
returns 1,31
